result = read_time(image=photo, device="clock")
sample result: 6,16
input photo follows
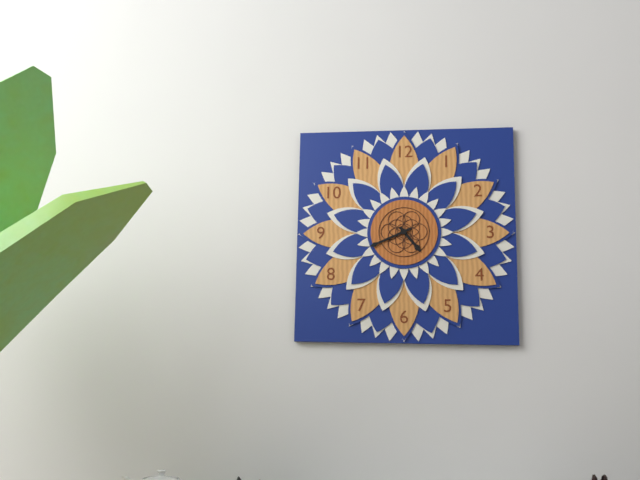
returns 4,41
